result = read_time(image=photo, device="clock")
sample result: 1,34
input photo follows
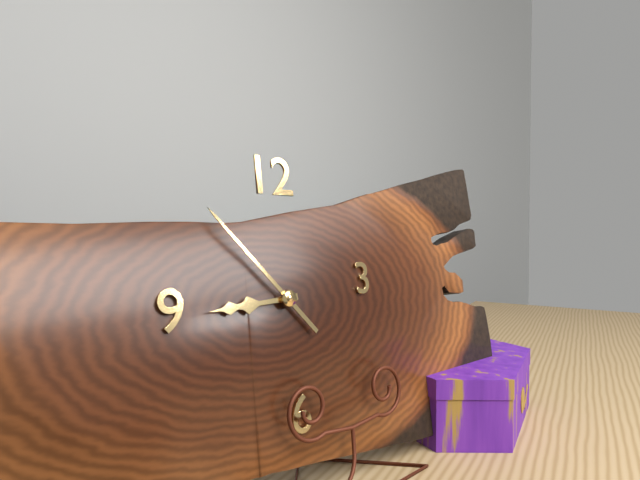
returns 8,53
